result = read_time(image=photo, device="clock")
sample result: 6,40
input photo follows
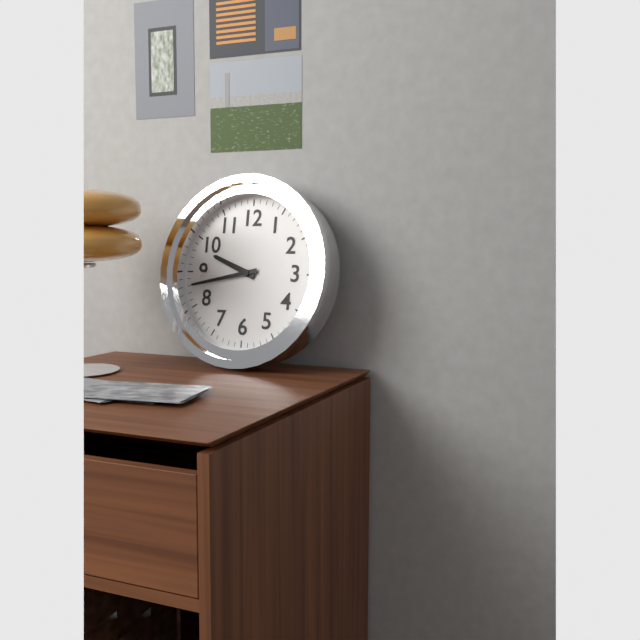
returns 9,43
